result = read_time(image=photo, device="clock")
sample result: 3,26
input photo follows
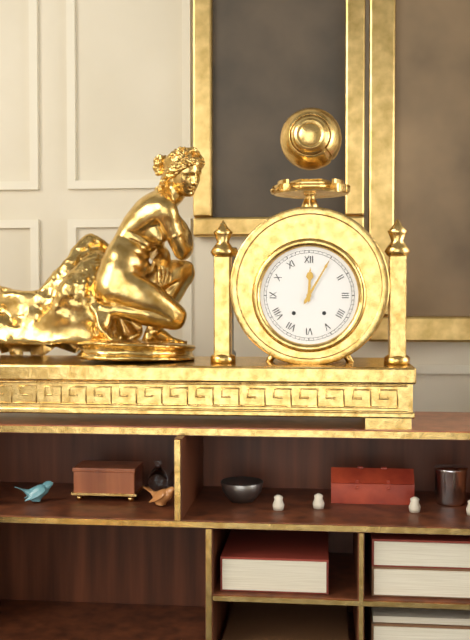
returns 12,05
